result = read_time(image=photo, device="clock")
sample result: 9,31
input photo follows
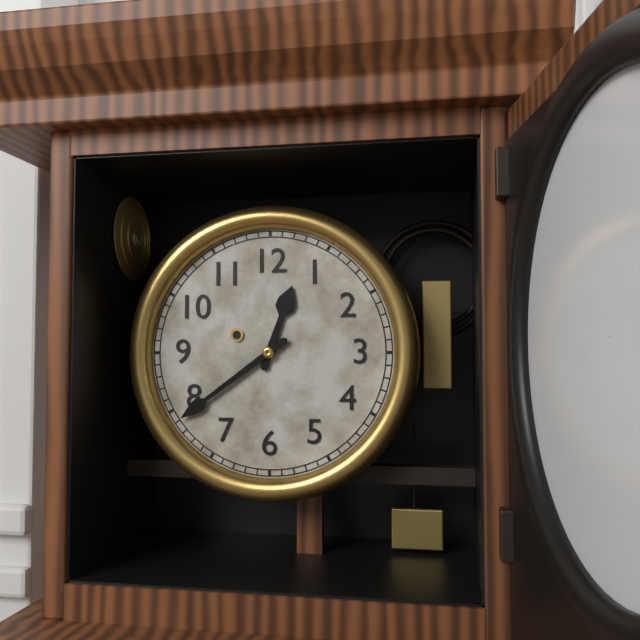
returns 12,39
